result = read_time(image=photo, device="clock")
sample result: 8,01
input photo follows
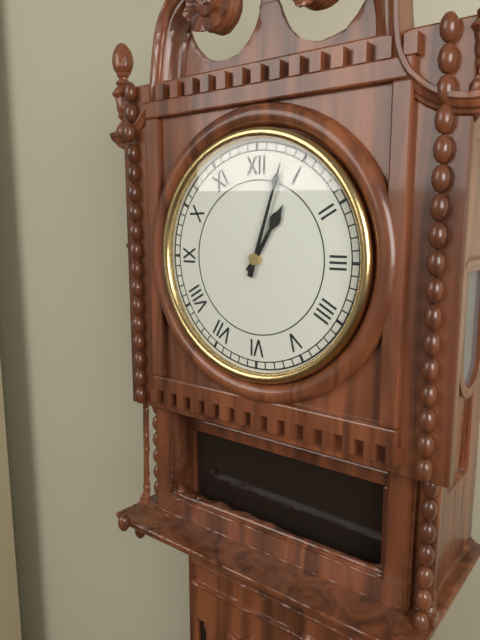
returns 1,03
